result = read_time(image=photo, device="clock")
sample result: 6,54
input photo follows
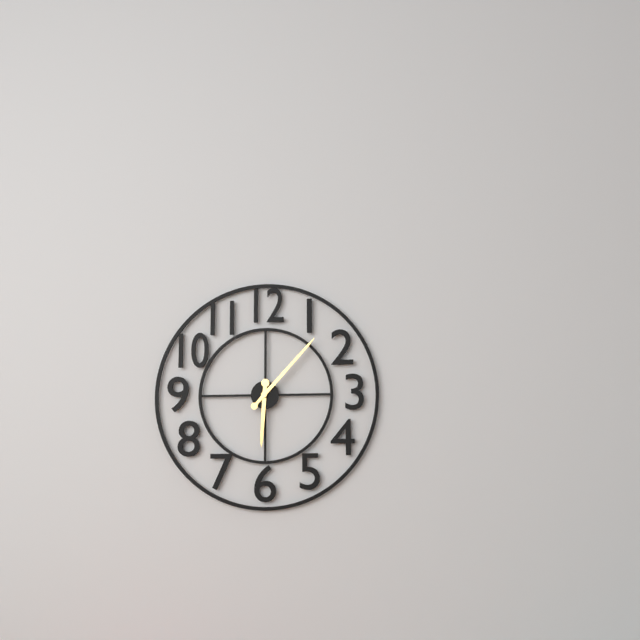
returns 6,07
